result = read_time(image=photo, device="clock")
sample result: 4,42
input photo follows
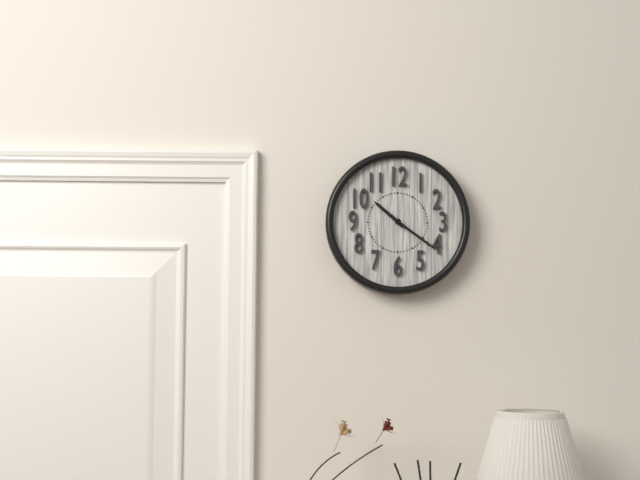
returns 10,21
